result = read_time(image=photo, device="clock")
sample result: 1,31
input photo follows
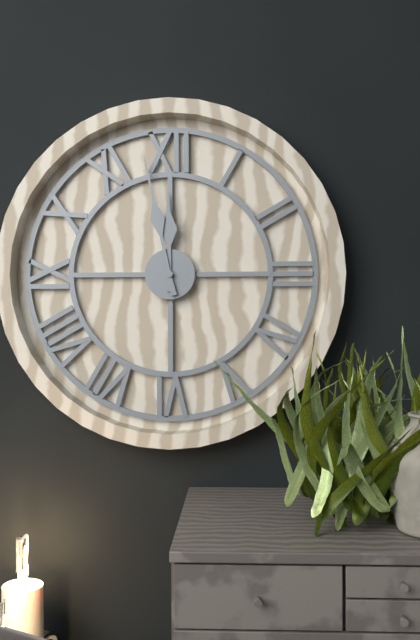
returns 11,58
